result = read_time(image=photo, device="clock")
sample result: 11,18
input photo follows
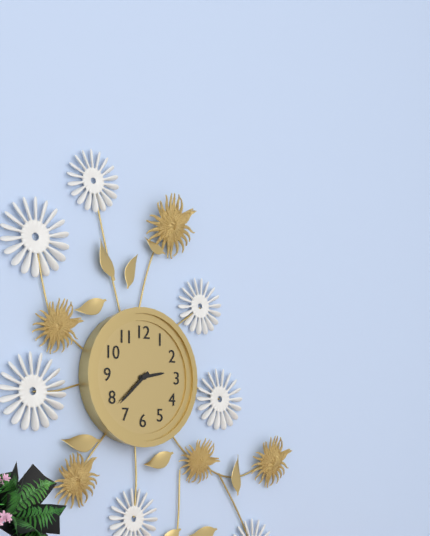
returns 2,38
